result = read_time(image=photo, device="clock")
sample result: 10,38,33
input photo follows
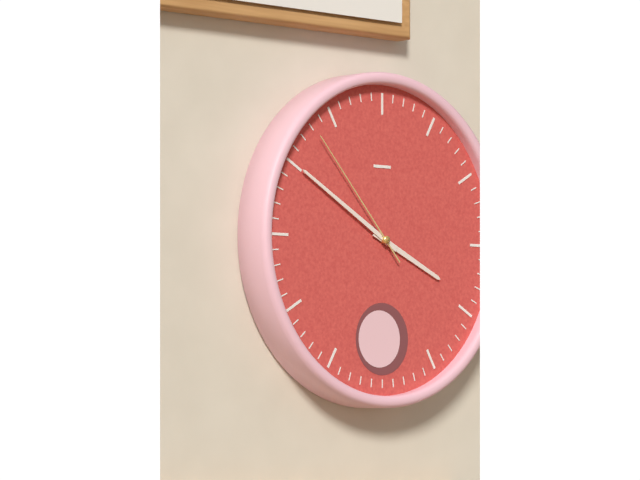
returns 3,50,53
